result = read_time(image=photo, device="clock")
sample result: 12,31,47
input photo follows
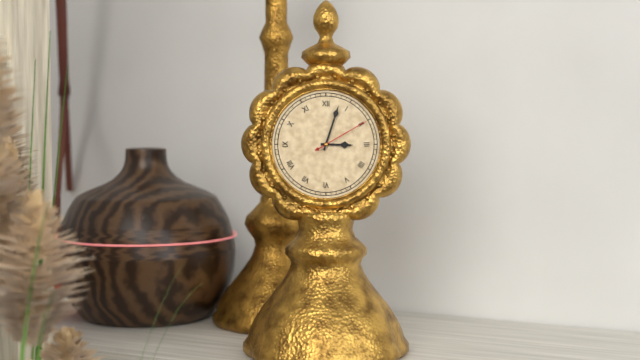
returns 3,03,10
